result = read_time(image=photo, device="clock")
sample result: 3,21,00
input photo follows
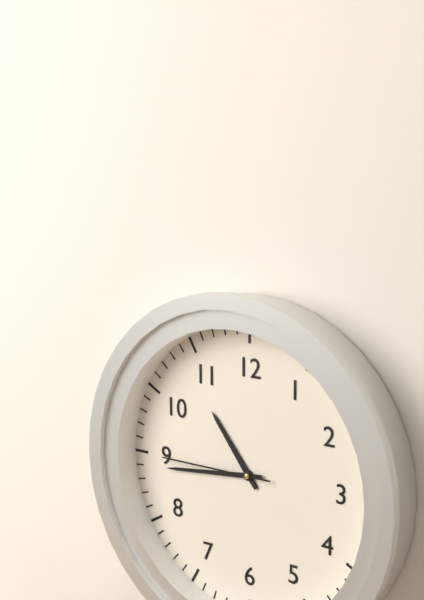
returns 10,44,45
